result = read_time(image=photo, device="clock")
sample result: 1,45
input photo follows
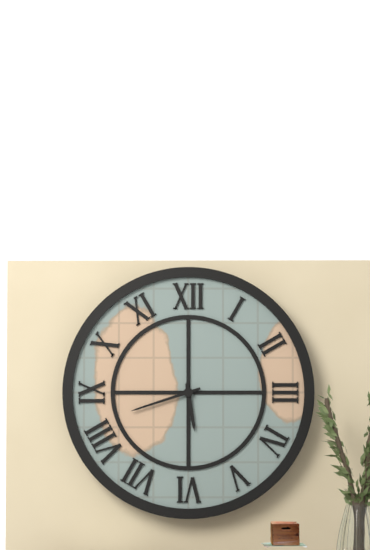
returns 5,42
